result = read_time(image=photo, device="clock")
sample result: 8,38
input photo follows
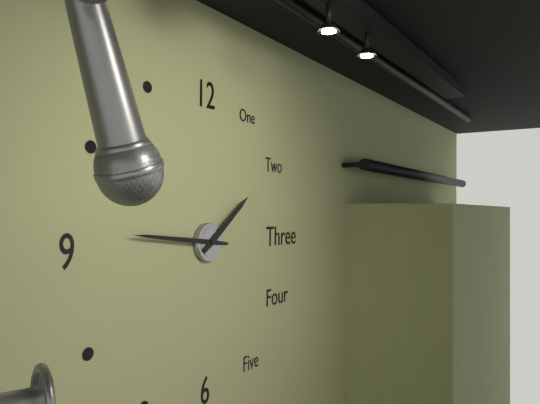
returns 1,46
